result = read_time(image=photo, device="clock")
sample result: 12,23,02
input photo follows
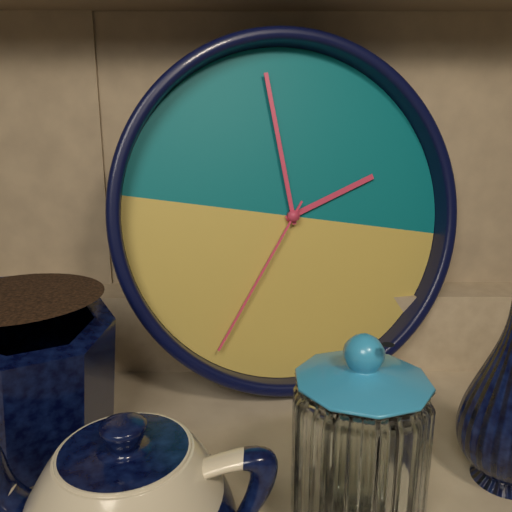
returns 1,57,34
